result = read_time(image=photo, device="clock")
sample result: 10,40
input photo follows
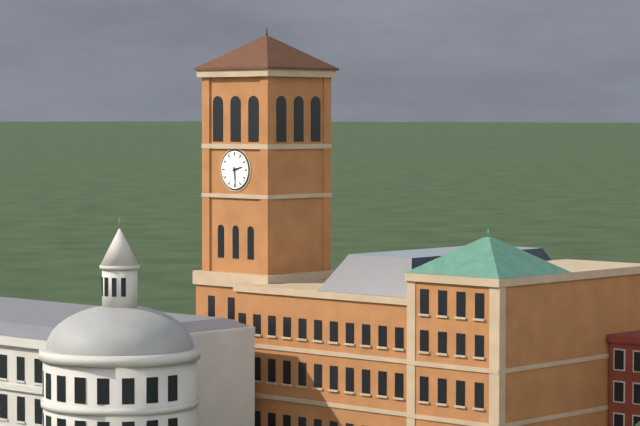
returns 2,29
